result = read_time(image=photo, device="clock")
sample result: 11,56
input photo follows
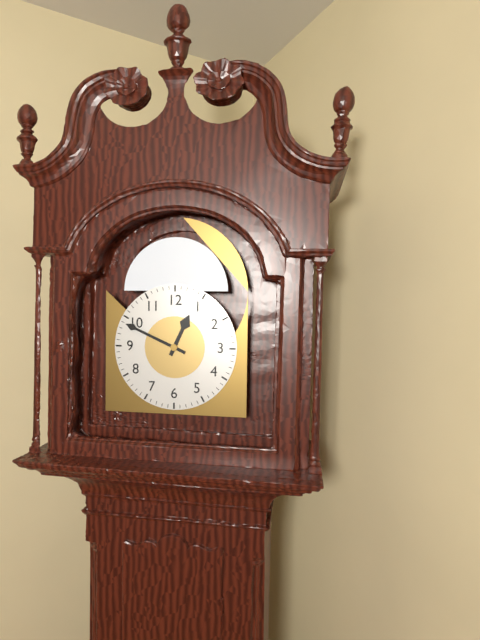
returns 12,49
